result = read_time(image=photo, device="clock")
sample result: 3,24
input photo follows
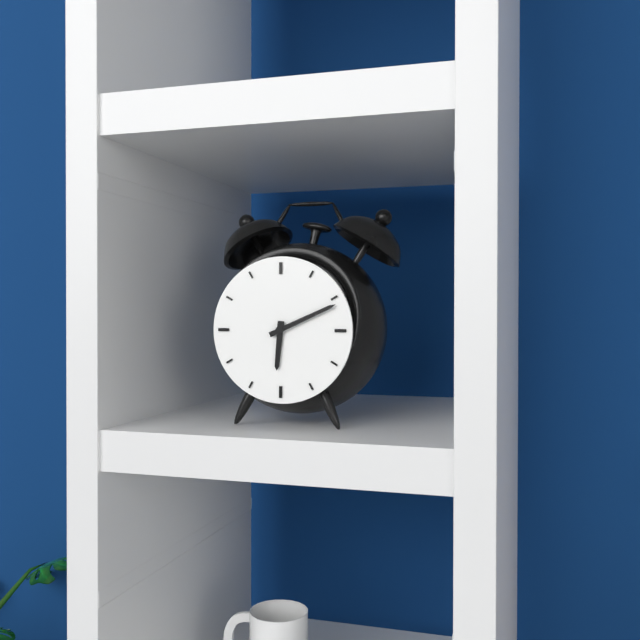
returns 6,11
